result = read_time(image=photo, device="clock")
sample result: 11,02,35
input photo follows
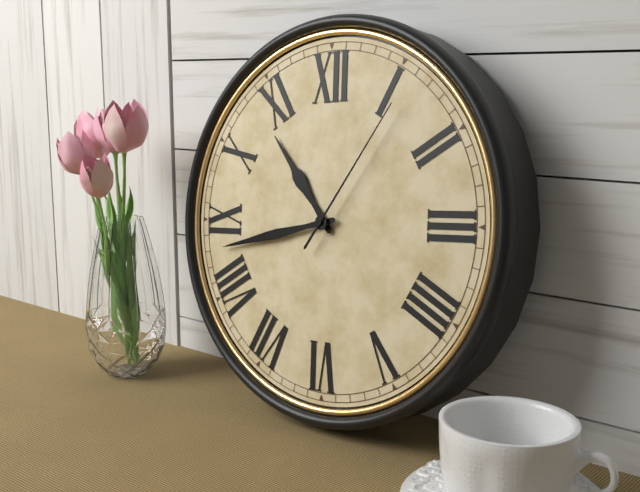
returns 10,43,06
